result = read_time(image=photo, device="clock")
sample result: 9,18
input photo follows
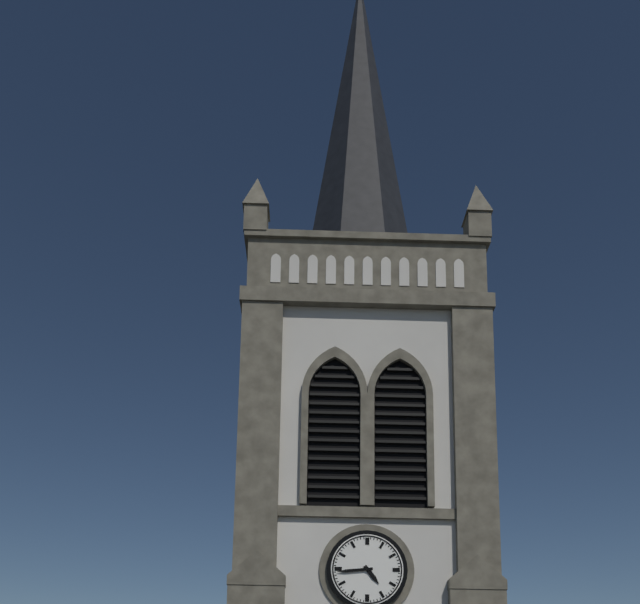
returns 4,44
